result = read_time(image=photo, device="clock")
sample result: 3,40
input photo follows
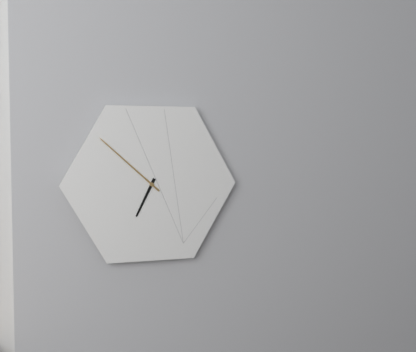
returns 6,52
